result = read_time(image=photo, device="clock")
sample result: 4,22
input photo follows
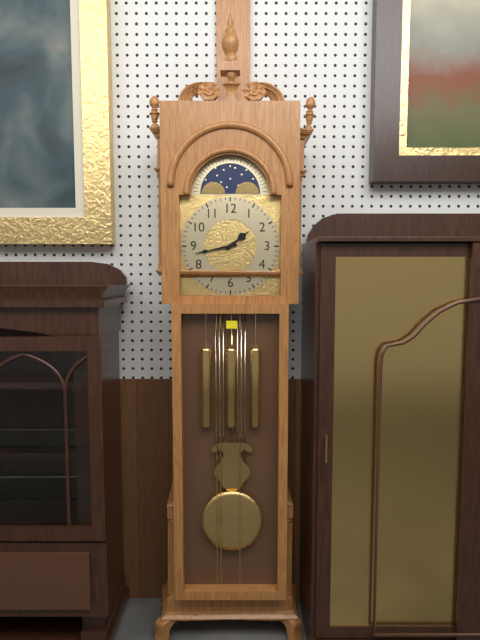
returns 1,43
